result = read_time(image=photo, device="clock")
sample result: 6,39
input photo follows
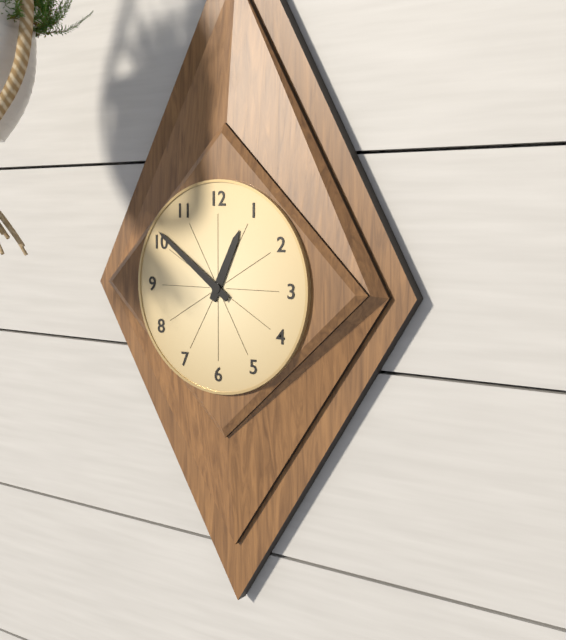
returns 12,51
